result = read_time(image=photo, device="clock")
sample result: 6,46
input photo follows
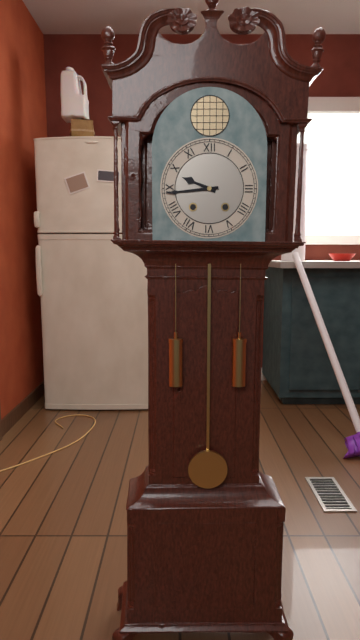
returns 9,44
